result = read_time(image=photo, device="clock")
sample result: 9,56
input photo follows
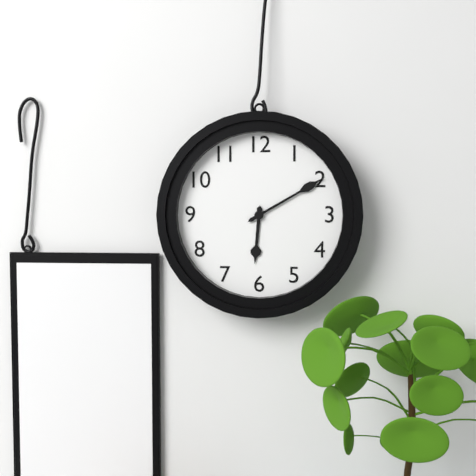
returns 6,10
